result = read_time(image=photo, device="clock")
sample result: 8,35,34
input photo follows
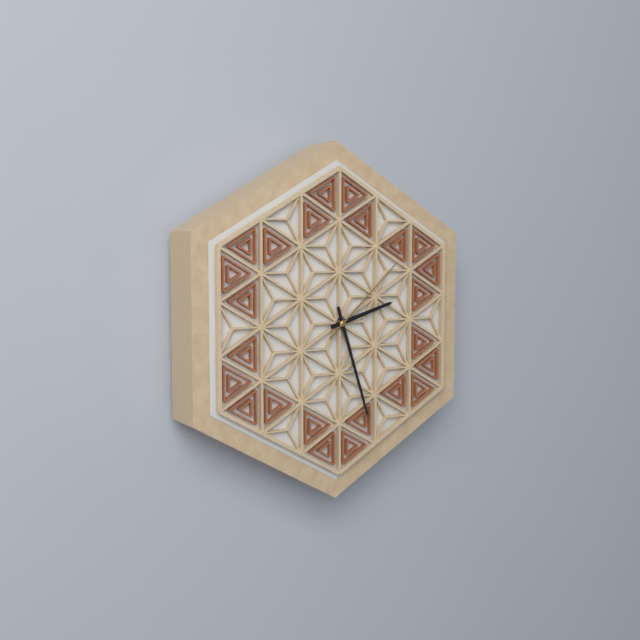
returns 2,27,08
